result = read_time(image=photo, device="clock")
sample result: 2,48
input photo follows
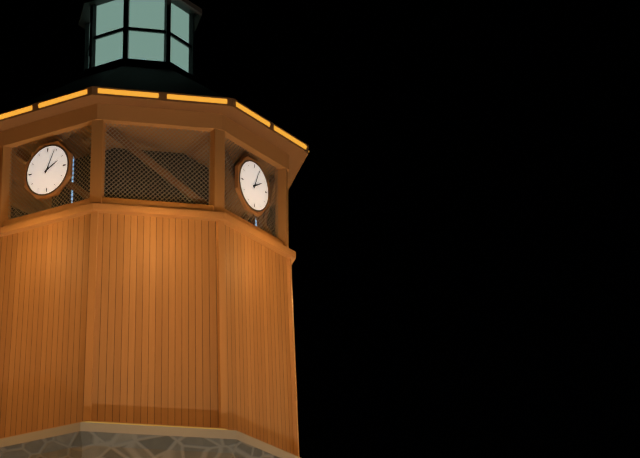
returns 2,04
